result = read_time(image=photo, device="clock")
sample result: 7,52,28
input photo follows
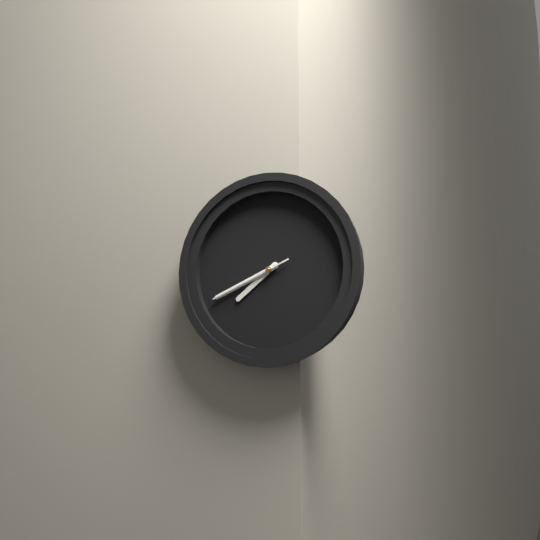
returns 7,41,41
